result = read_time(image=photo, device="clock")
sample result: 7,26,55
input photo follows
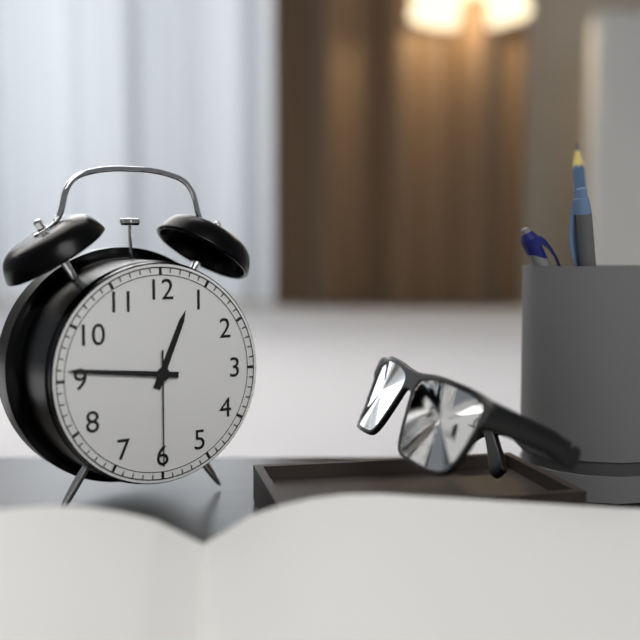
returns 12,46,30
